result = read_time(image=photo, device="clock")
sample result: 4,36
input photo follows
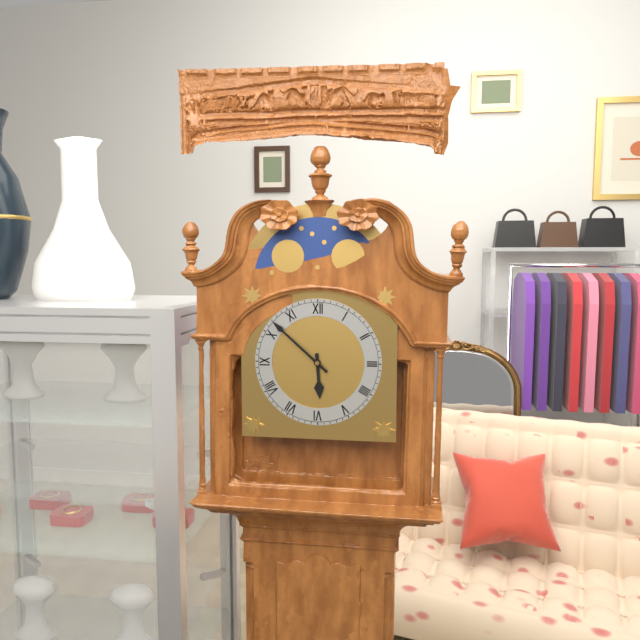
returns 5,52
